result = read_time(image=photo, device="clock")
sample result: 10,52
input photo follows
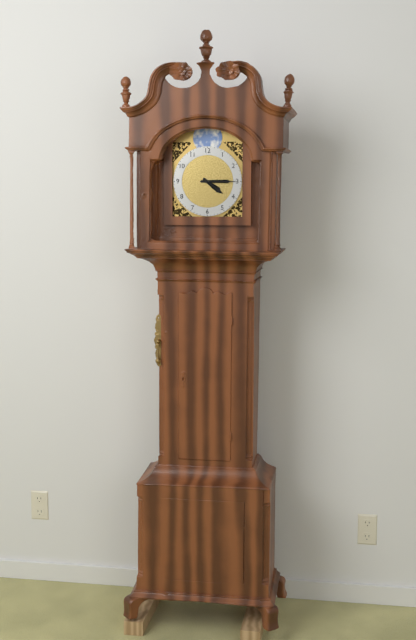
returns 4,15
